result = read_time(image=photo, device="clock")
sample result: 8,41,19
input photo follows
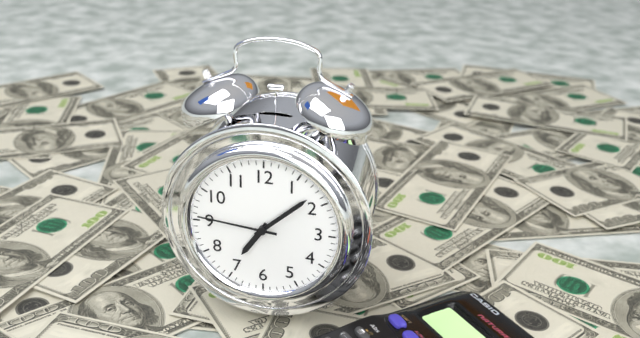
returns 7,08,46
